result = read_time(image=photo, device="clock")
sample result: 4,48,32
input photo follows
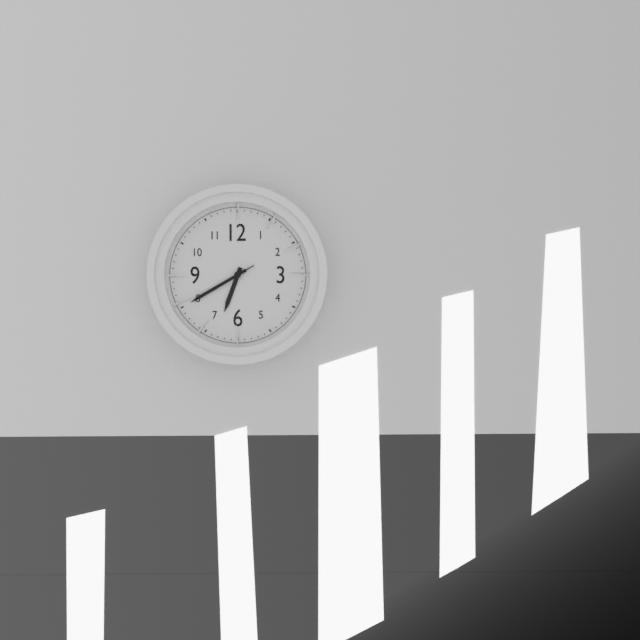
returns 6,40,40
